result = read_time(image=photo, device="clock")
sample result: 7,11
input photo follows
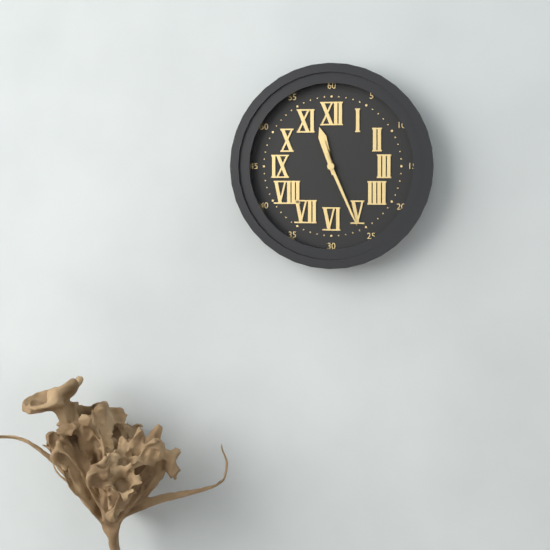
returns 11,26
